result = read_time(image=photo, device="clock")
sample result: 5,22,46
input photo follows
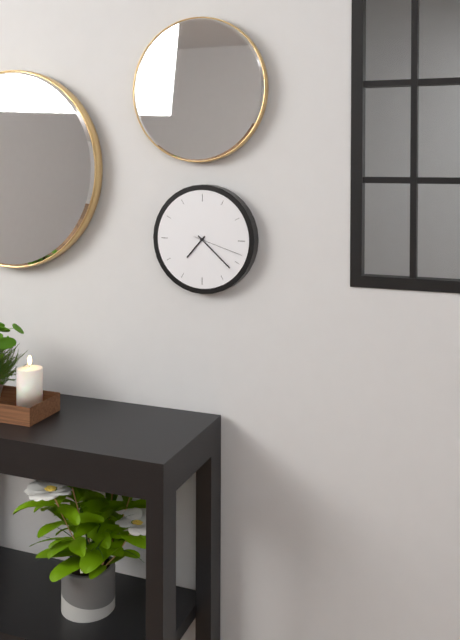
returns 7,22,18
